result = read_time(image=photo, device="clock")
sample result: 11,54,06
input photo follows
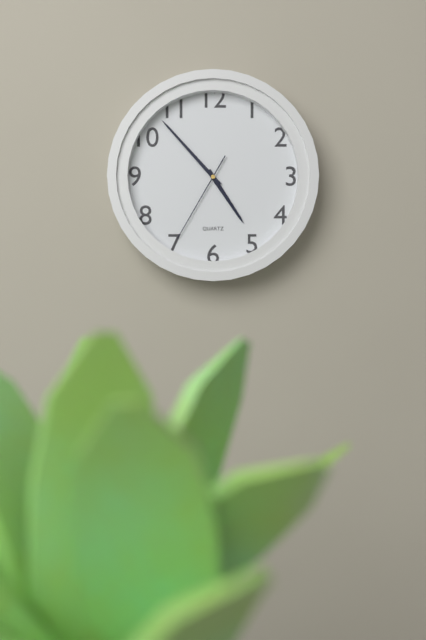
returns 4,53,35
